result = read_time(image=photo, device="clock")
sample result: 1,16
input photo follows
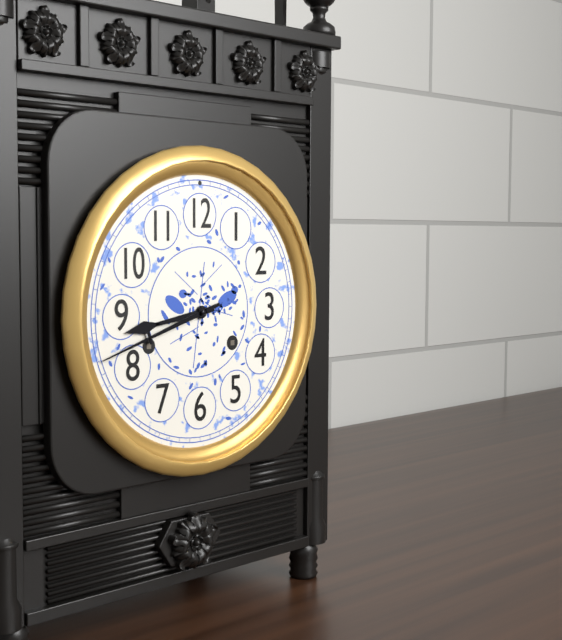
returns 8,42
